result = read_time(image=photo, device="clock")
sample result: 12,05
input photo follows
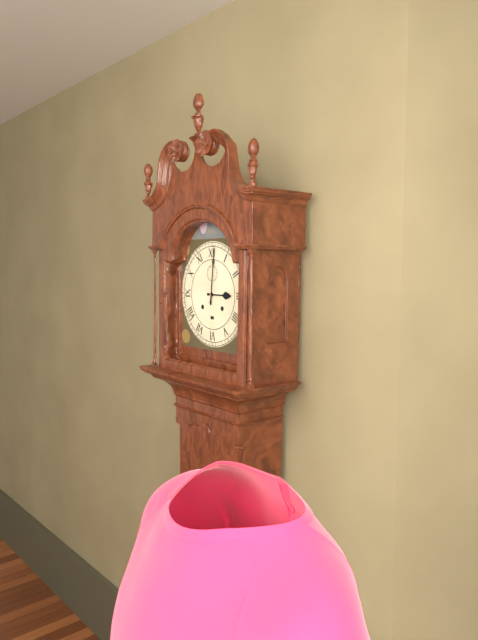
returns 3,01
